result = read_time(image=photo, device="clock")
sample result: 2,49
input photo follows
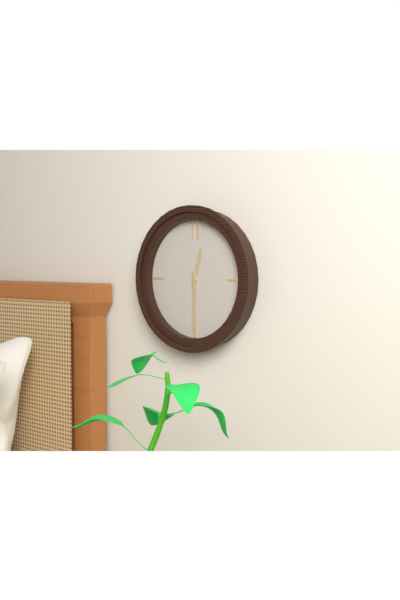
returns 12,30
